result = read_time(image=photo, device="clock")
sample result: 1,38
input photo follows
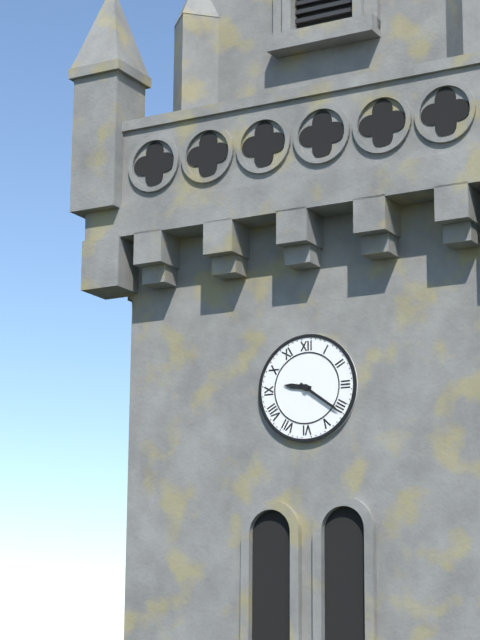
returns 9,21
